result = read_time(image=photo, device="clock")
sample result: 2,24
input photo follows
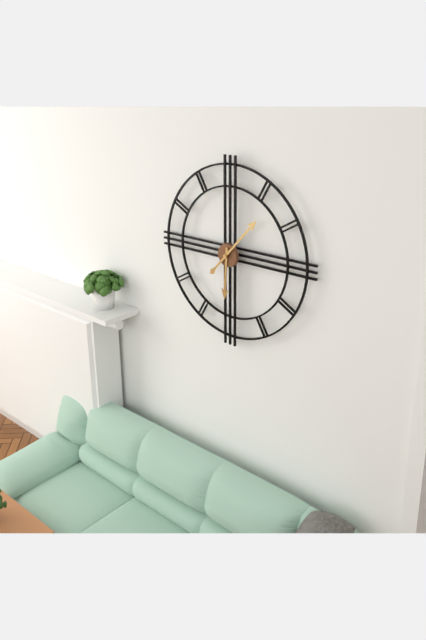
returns 6,07
